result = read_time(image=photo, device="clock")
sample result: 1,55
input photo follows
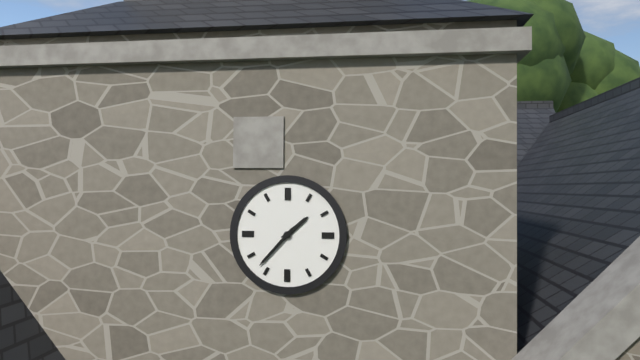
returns 1,37
